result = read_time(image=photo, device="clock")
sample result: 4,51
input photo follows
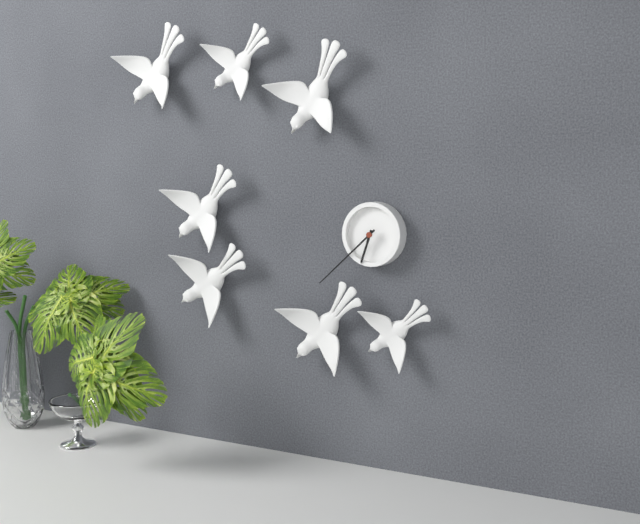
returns 6,38
